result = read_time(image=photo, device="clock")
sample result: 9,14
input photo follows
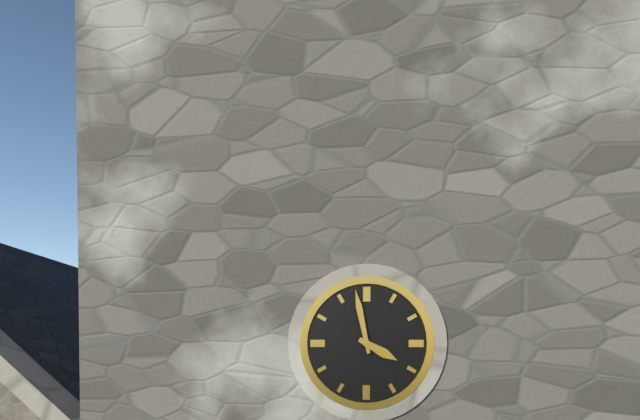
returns 3,58
